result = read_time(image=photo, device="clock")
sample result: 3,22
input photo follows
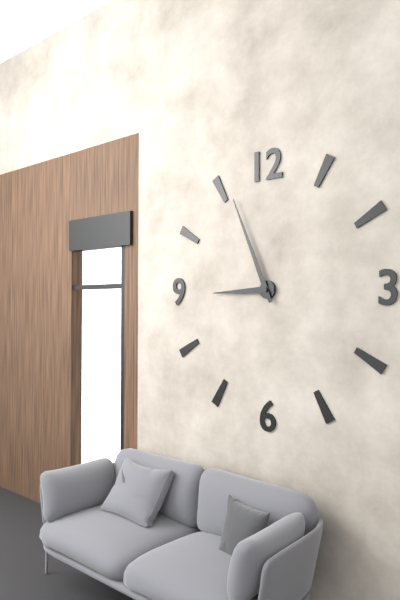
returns 8,56
